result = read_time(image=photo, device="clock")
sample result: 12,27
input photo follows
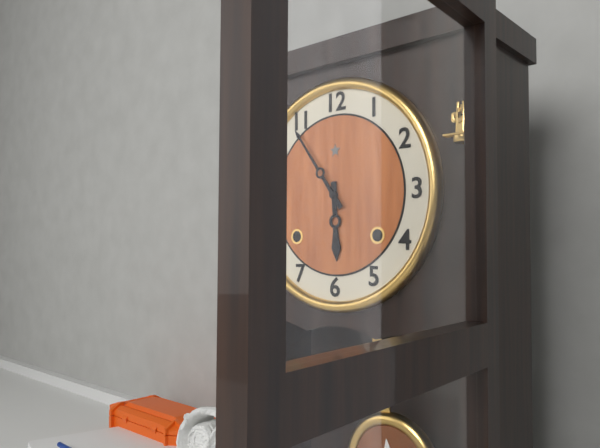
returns 5,54
